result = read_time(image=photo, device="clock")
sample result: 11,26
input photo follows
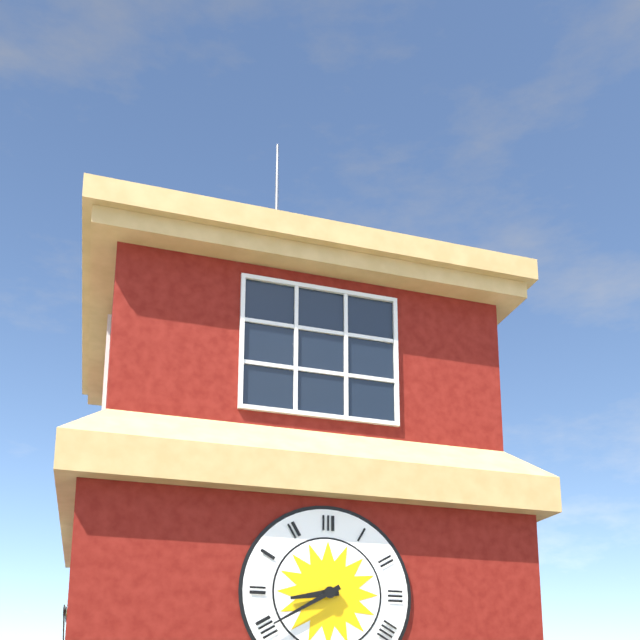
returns 8,40
